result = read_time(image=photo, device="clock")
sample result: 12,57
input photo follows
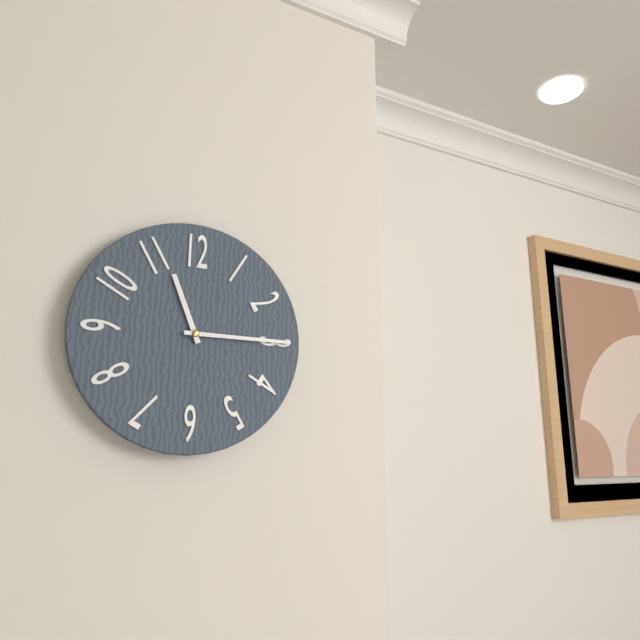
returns 11,15
